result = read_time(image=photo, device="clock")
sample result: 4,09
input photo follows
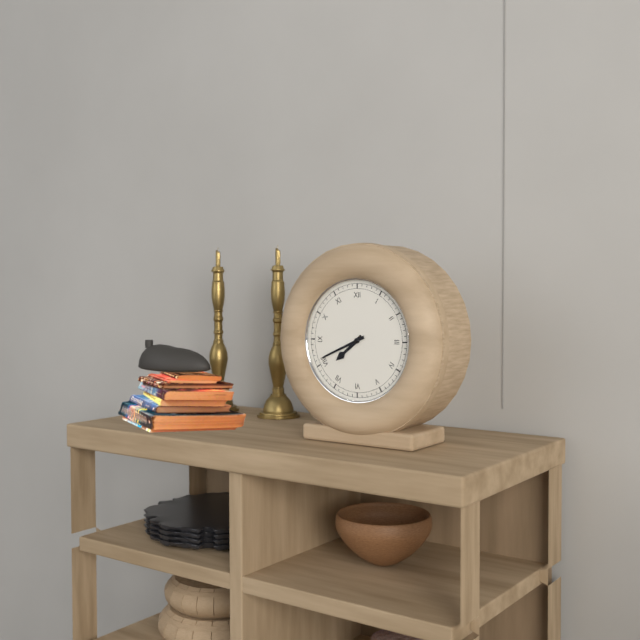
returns 7,41
